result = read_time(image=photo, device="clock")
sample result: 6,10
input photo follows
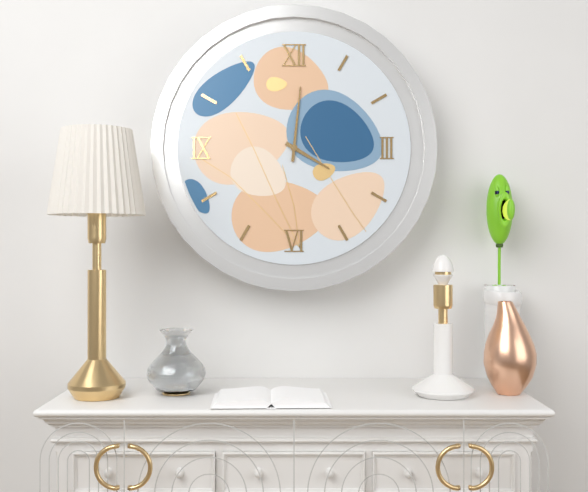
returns 4,01
